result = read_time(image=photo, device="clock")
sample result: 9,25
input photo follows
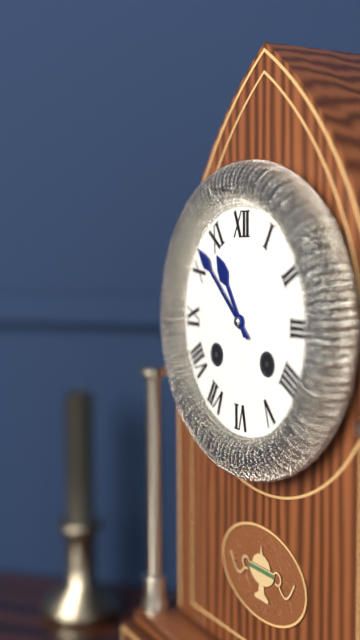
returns 10,52
